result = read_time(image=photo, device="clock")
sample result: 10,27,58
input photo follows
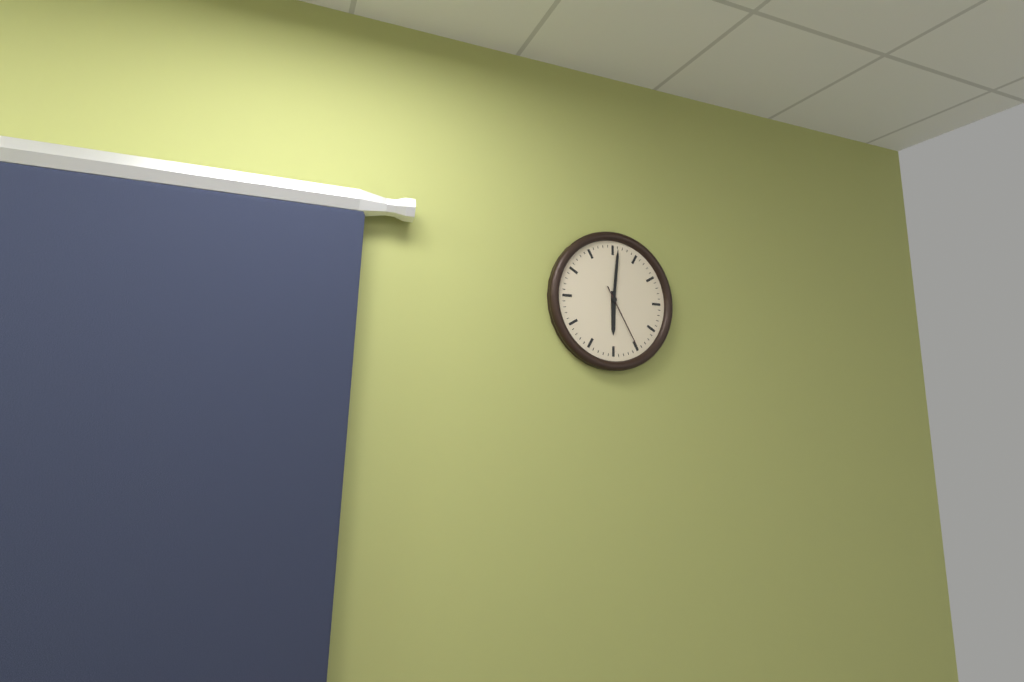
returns 6,01,25
